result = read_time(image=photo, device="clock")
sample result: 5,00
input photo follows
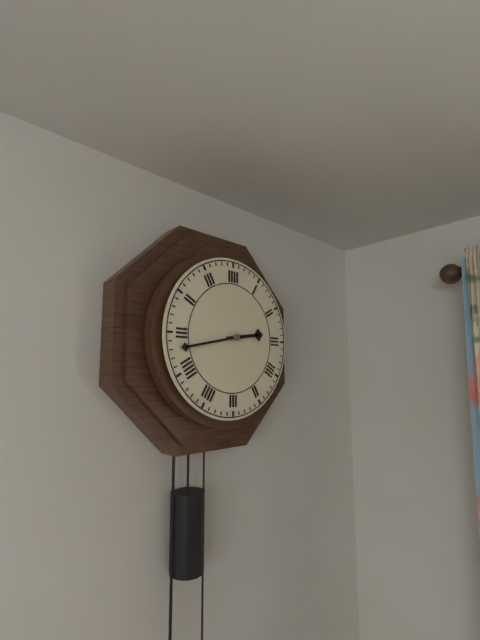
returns 2,43
